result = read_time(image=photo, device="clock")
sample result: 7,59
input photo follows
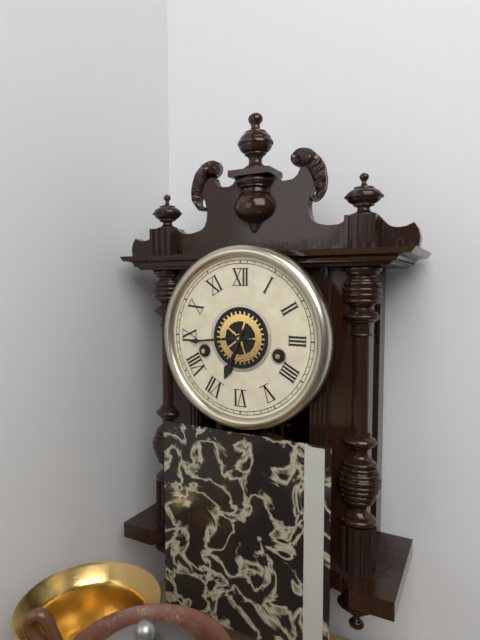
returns 6,44
